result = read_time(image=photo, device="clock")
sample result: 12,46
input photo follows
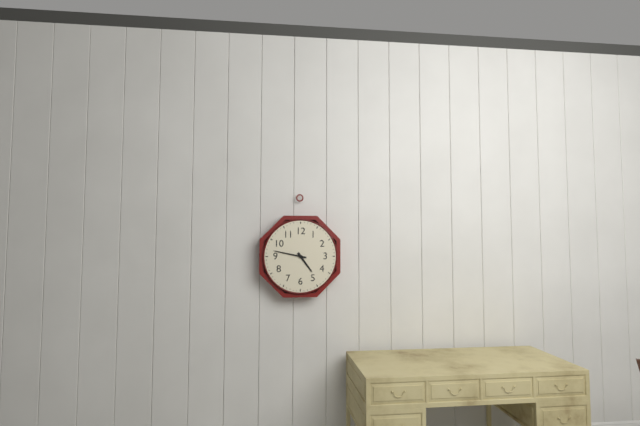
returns 4,47
